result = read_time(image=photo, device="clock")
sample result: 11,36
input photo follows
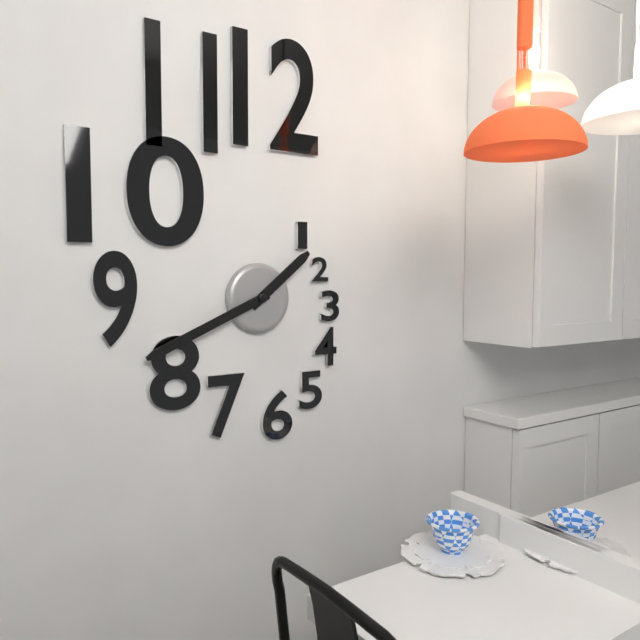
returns 1,41
